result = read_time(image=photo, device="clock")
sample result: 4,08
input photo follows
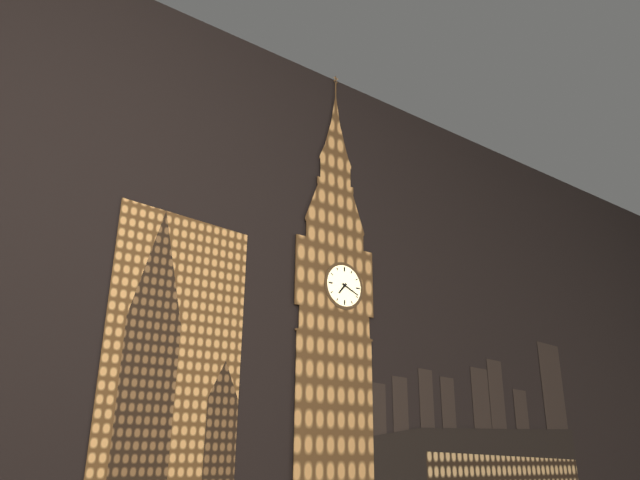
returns 7,19
